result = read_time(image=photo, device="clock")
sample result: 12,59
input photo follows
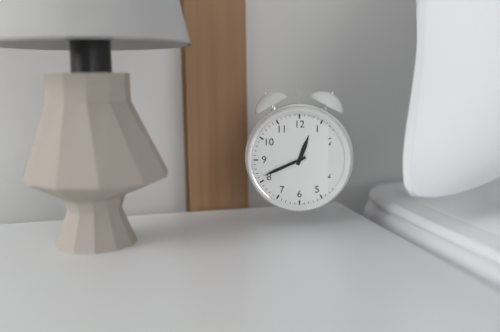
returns 12,41
